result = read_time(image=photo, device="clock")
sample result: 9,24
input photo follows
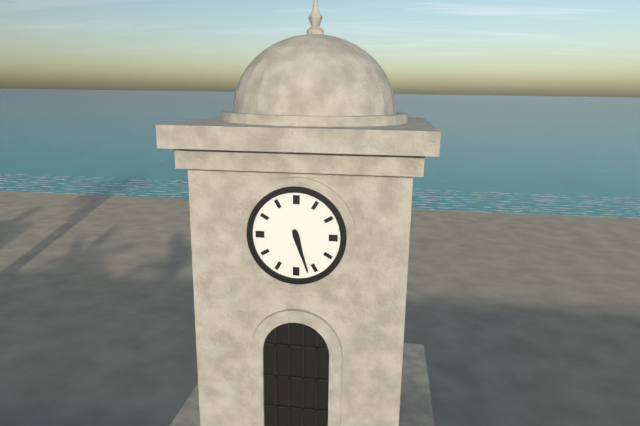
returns 5,27
